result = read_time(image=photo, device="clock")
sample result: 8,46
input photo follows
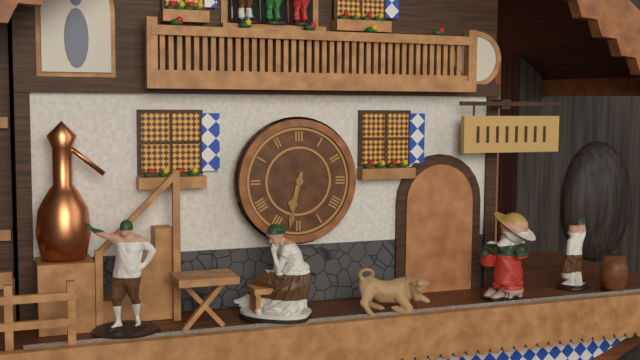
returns 6,32
